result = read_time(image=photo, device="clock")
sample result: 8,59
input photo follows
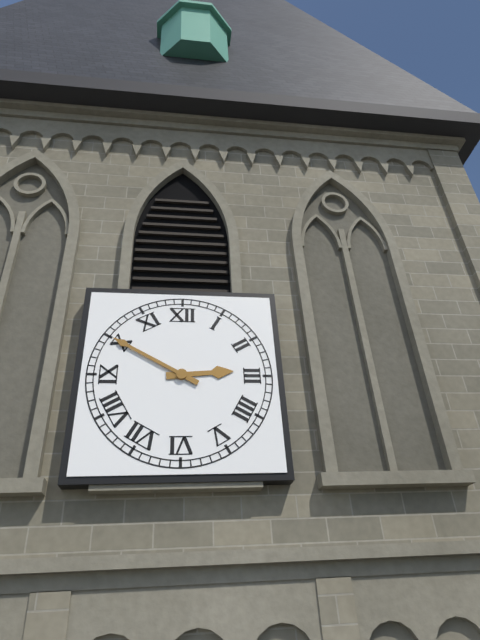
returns 2,50
